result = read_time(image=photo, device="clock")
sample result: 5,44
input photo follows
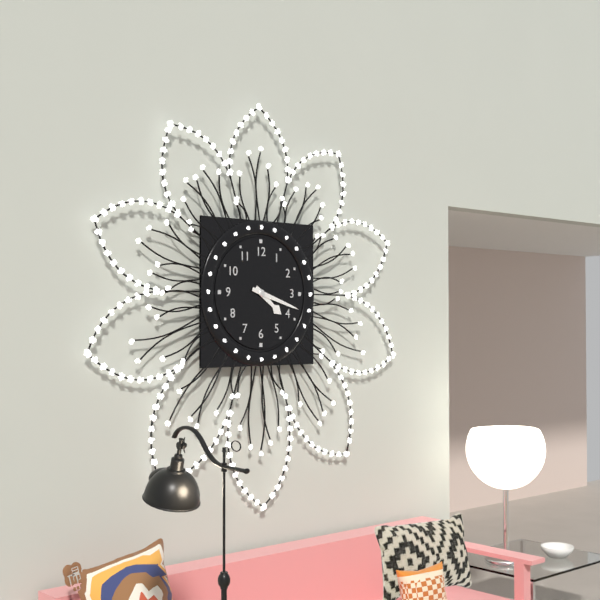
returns 4,18
